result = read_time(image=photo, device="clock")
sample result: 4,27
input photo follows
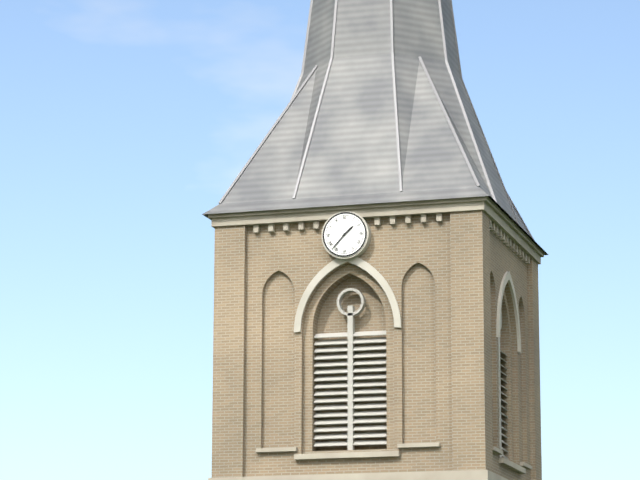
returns 1,37
